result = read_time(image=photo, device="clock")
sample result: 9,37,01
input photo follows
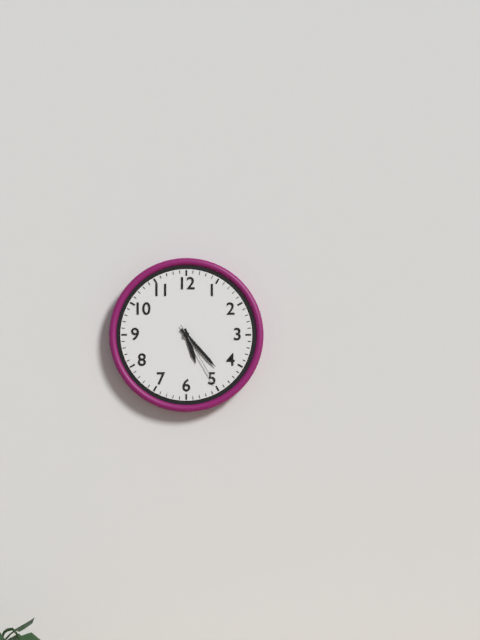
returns 5,23,25
